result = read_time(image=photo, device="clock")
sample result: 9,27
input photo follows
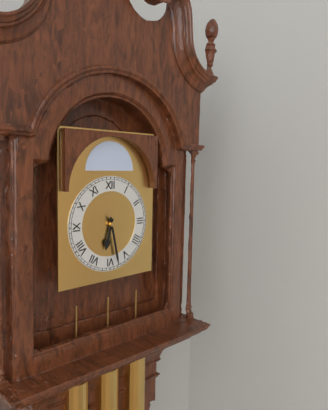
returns 6,28
